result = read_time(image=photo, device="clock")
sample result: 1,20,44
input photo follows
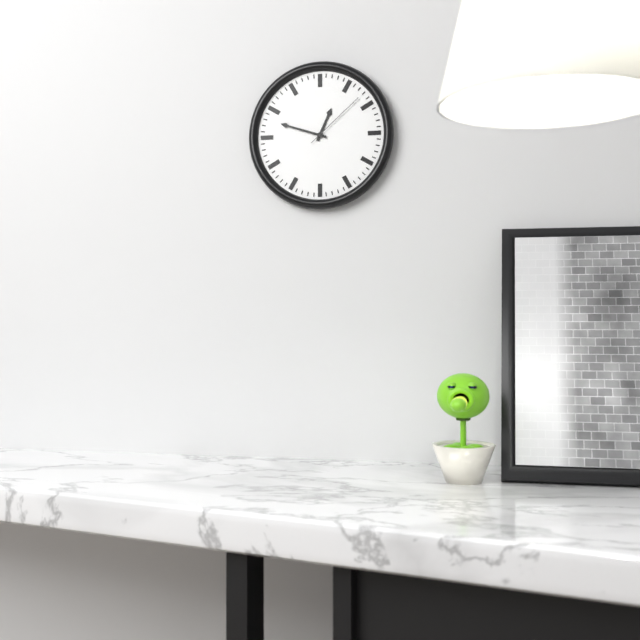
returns 12,48,08
